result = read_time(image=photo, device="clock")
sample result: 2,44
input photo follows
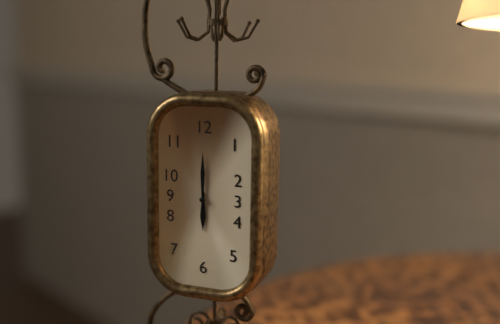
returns 6,00
